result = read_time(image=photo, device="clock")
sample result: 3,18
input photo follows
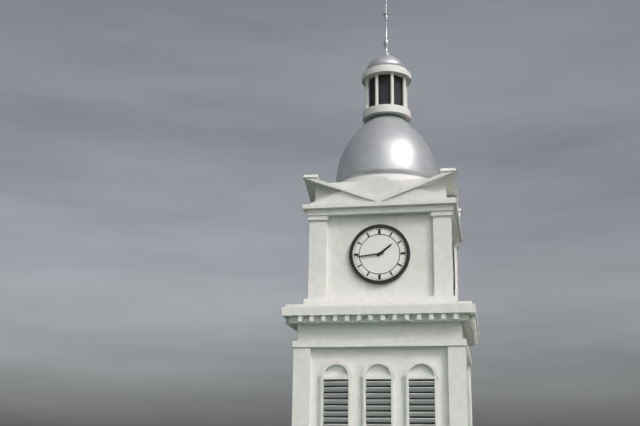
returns 1,44
